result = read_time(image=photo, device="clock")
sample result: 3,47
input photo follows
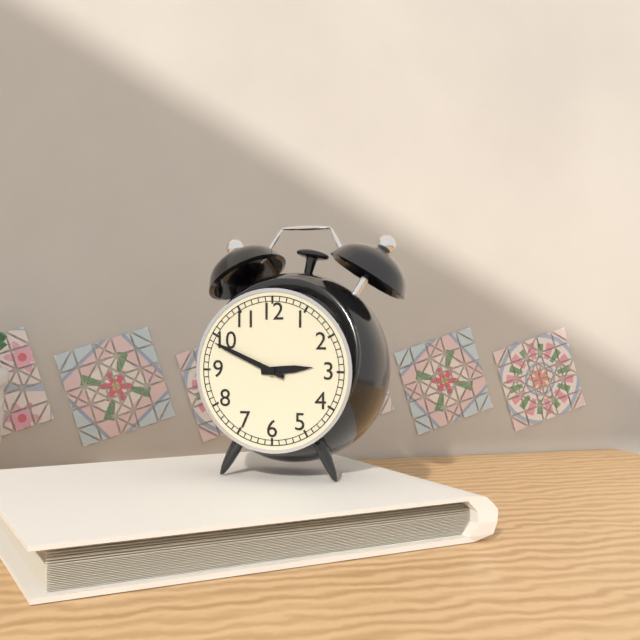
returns 2,49
